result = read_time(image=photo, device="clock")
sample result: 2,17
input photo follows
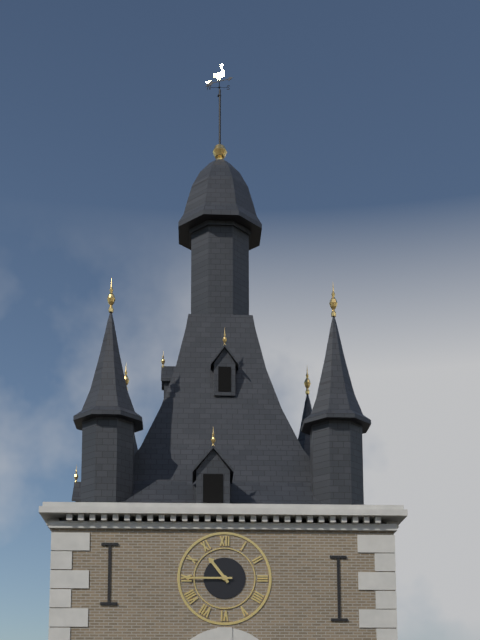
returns 10,45
